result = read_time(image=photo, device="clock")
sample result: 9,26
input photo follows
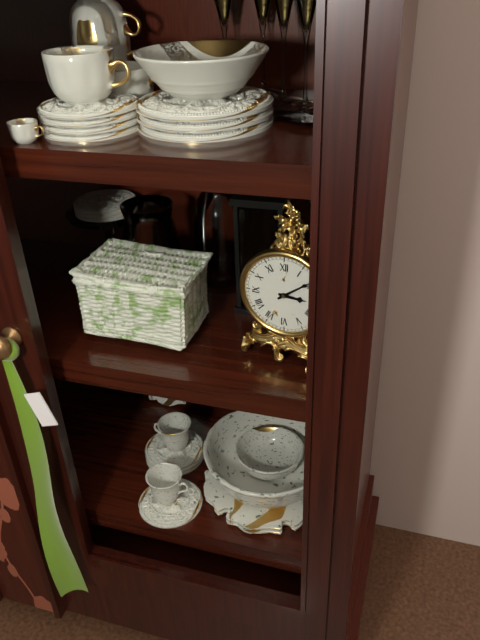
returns 3,09
